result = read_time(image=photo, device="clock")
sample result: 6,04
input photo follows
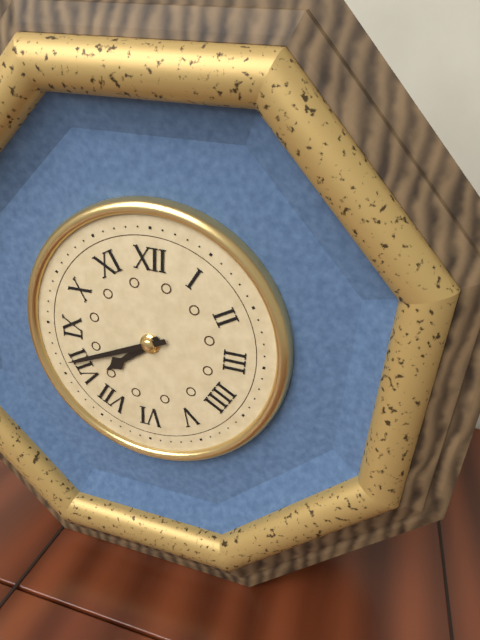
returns 7,41
